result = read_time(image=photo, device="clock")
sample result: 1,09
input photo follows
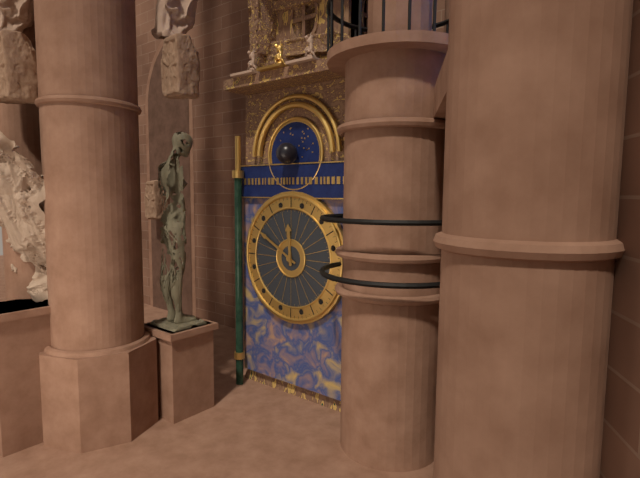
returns 11,50
